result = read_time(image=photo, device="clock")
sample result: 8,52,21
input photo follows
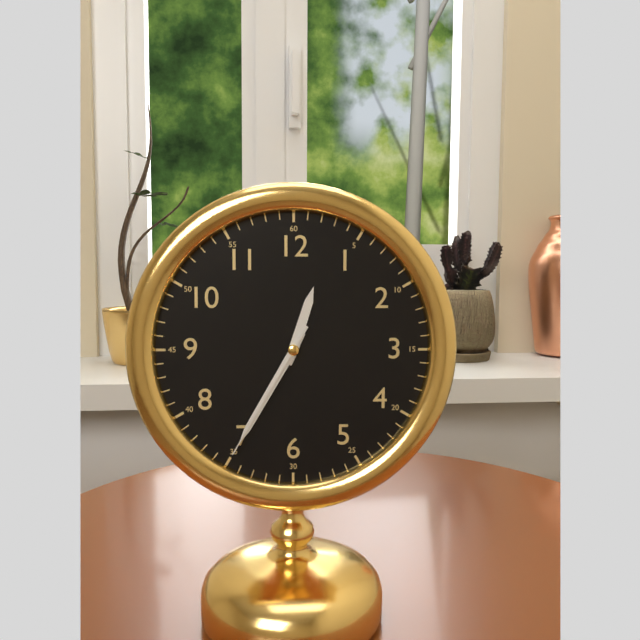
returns 12,35,35
